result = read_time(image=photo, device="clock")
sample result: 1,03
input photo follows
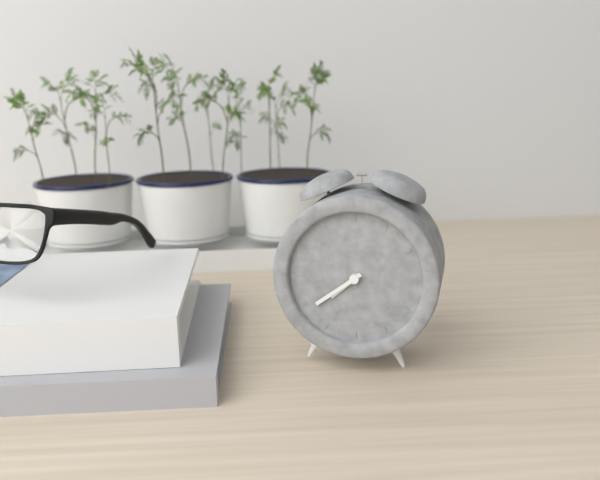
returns 7,39
